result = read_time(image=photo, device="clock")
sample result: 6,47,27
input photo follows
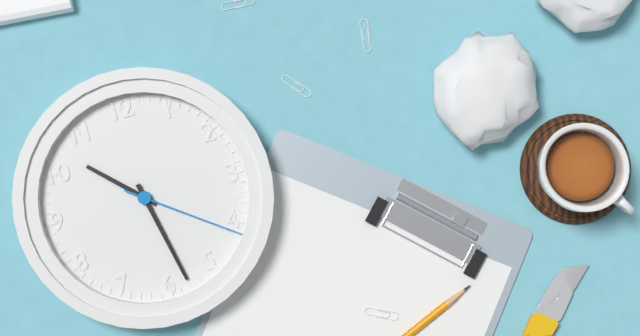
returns 10,28,21
